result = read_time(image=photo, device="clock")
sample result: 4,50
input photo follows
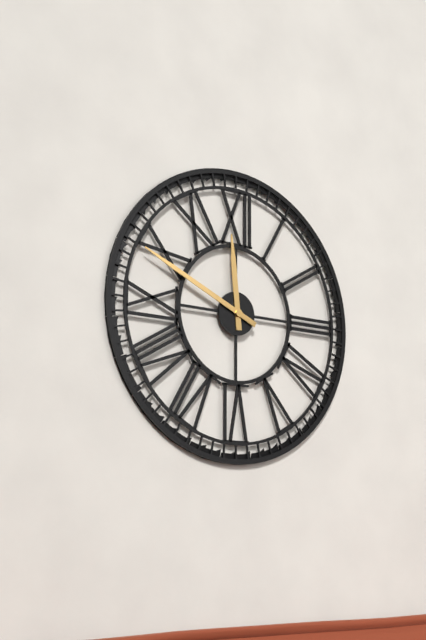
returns 11,49
